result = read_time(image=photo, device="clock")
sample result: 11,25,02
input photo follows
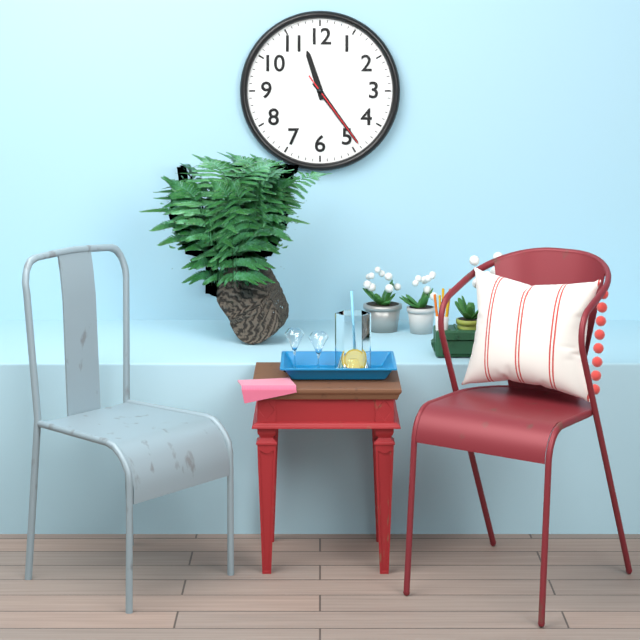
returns 11,24,24
